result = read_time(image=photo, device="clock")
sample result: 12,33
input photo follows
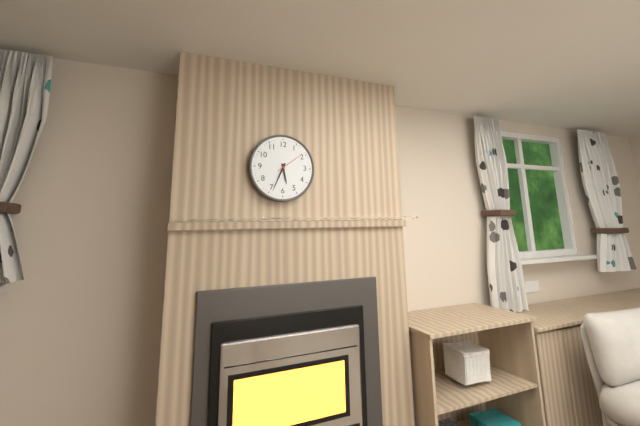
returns 5,34
